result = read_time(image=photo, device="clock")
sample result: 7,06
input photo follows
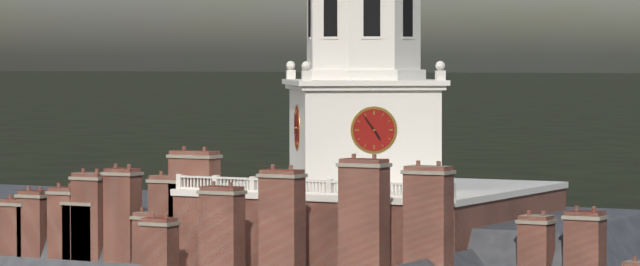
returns 4,54
